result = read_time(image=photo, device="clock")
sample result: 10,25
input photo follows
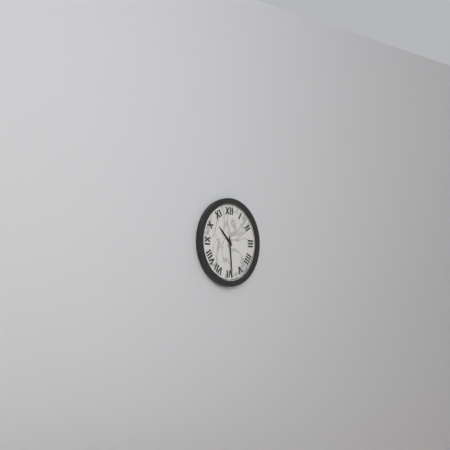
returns 10,29
